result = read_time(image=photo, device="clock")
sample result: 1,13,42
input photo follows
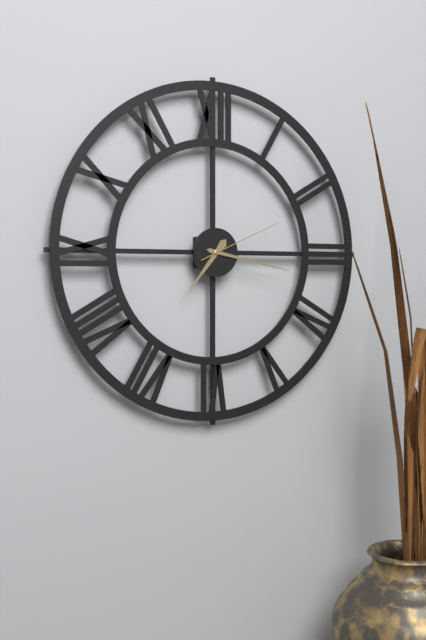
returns 7,17,11
